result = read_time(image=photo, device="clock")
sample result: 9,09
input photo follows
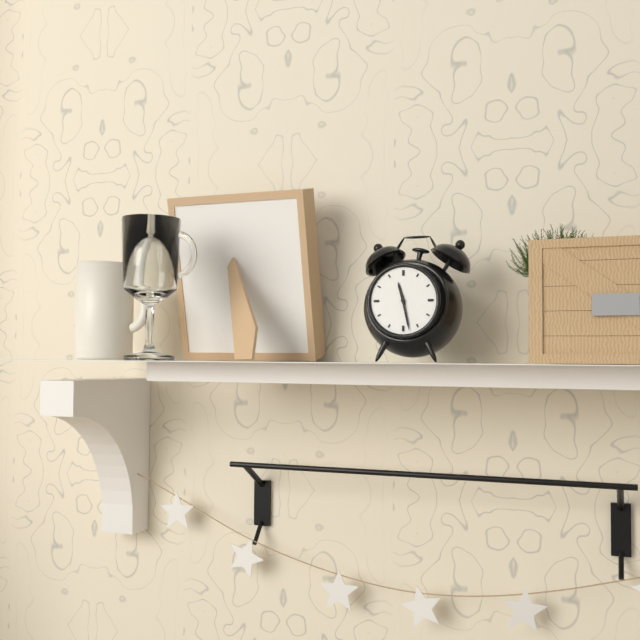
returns 11,28
